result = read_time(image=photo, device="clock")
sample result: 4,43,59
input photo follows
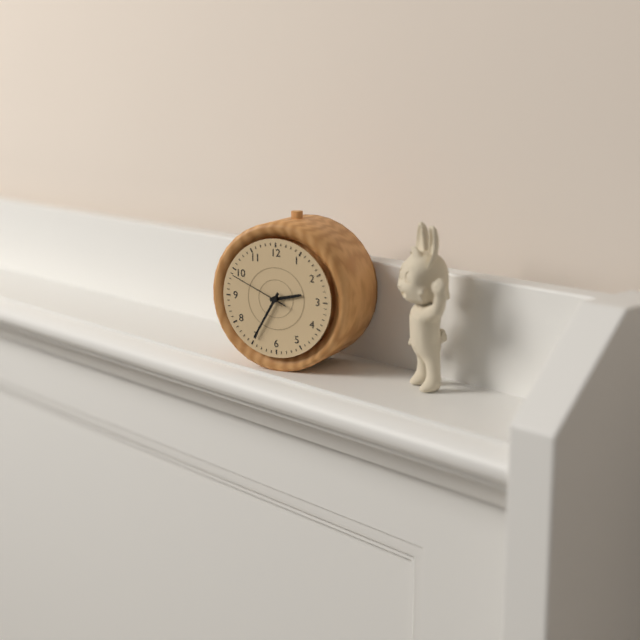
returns 2,35,49
